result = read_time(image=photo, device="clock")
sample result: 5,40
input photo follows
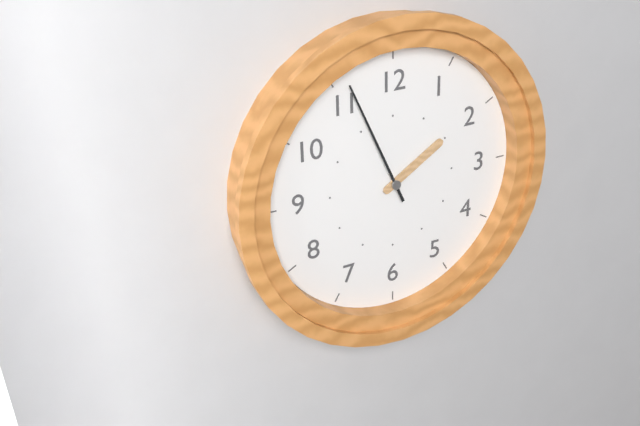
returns 1,56
